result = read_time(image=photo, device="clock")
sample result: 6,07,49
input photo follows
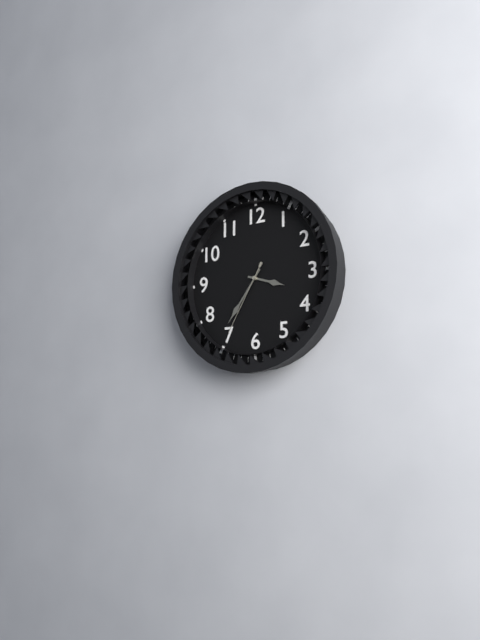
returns 3,36,35
